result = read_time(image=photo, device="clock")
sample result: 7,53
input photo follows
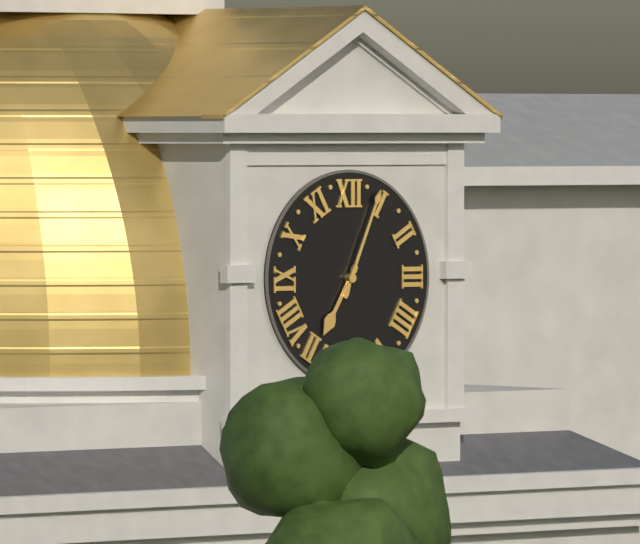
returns 7,04
